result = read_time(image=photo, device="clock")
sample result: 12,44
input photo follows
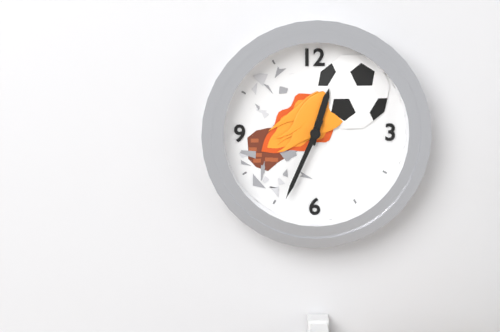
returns 12,34
